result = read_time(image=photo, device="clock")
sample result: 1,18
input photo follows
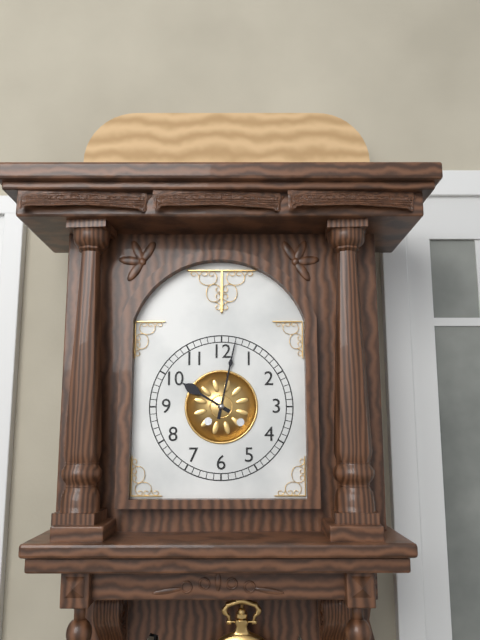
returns 10,02
